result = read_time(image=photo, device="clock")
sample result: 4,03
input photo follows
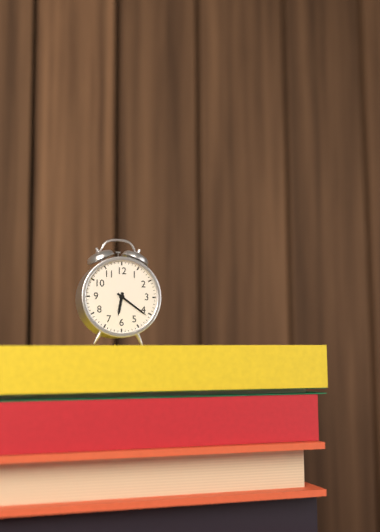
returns 6,21
